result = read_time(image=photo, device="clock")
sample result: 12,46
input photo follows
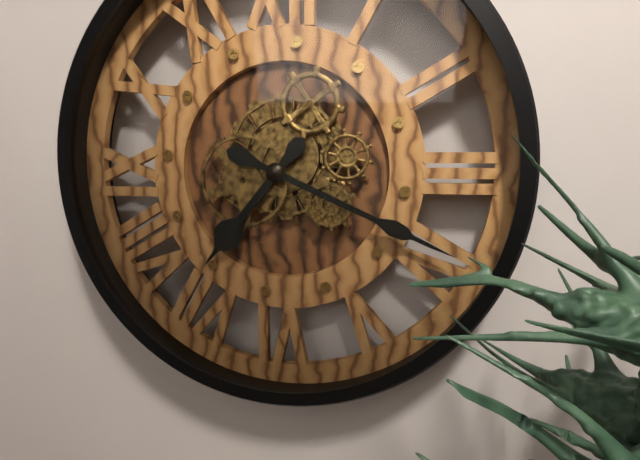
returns 7,19
